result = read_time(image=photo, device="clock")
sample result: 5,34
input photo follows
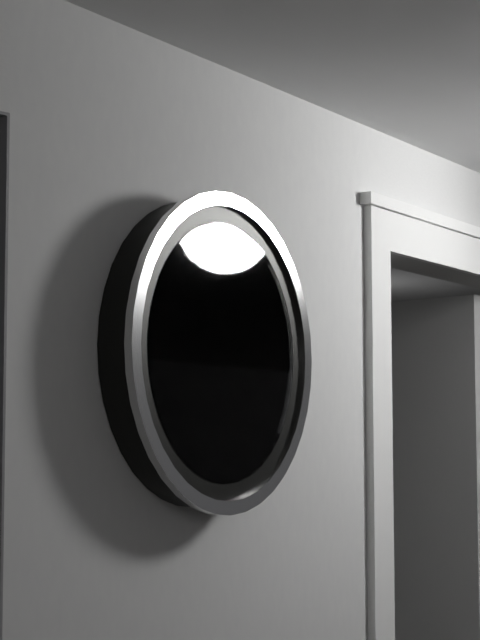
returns 10,35
